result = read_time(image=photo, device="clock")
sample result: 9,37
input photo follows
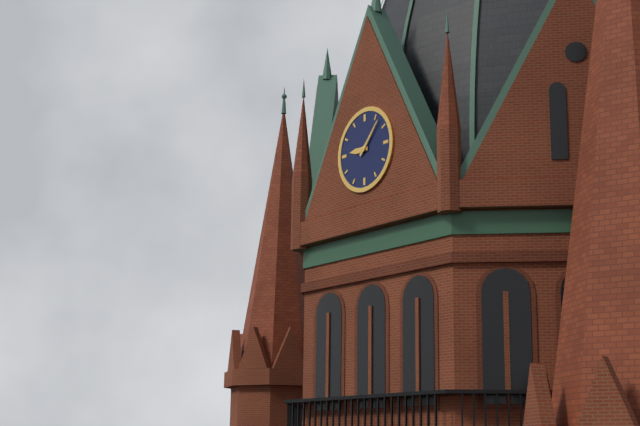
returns 9,07
